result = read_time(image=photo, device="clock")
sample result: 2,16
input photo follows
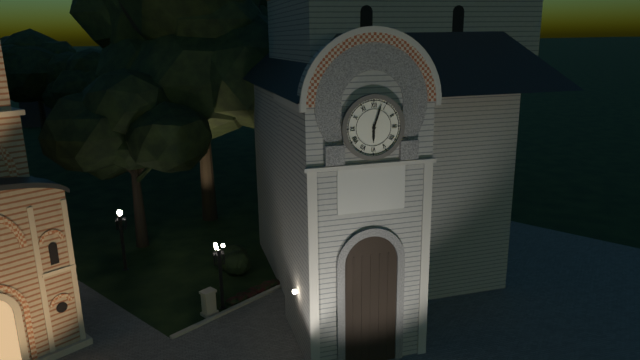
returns 6,03
